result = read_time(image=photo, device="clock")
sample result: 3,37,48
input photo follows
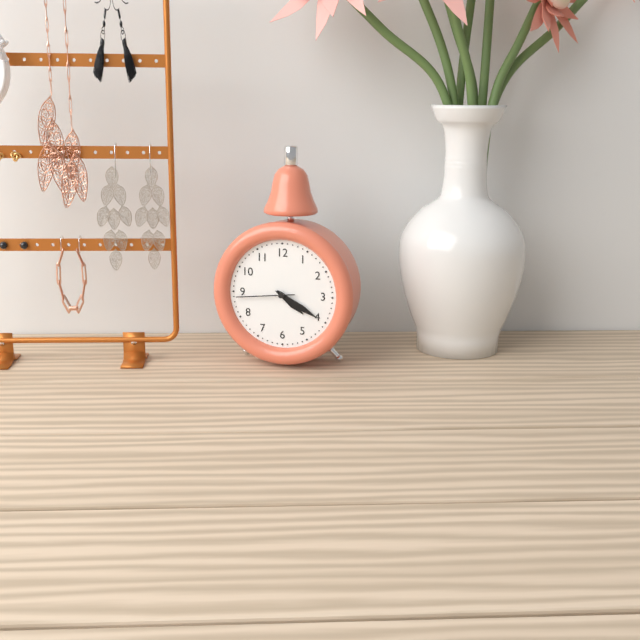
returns 4,20,44
